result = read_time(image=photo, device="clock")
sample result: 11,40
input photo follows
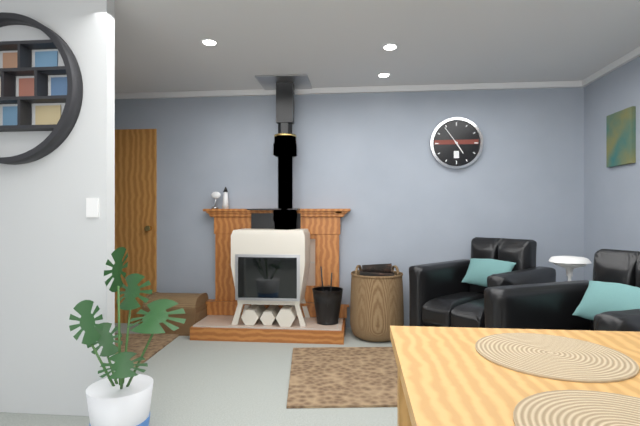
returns 4,54
